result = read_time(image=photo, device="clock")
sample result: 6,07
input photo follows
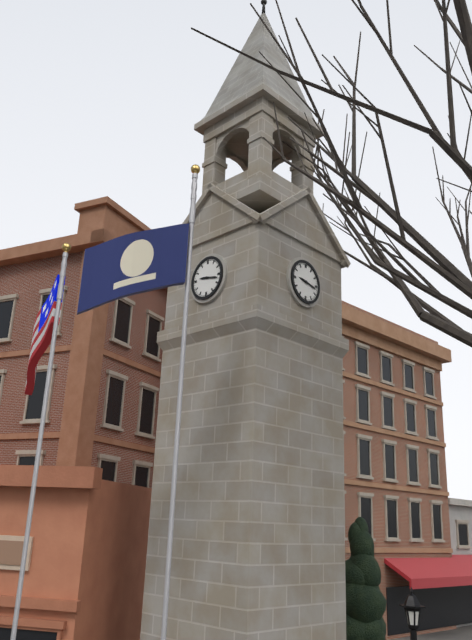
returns 9,17
